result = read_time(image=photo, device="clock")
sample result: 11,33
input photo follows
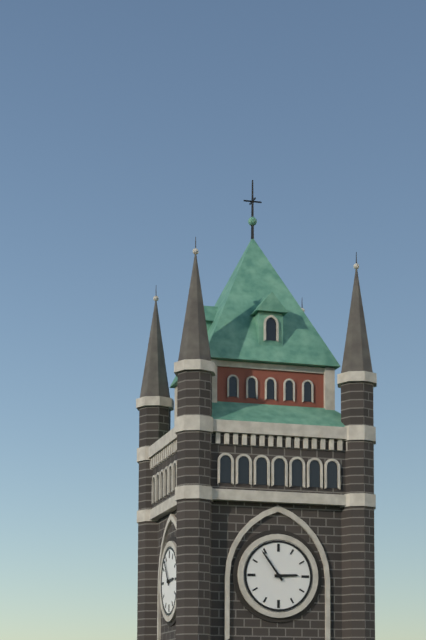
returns 2,54
